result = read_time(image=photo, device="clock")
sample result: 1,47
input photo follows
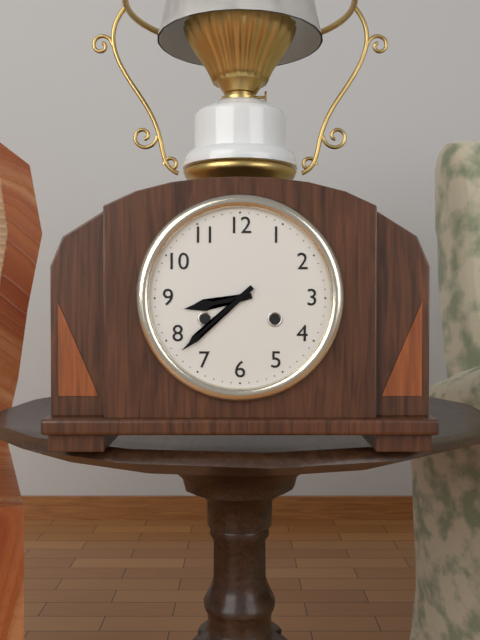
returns 8,38
